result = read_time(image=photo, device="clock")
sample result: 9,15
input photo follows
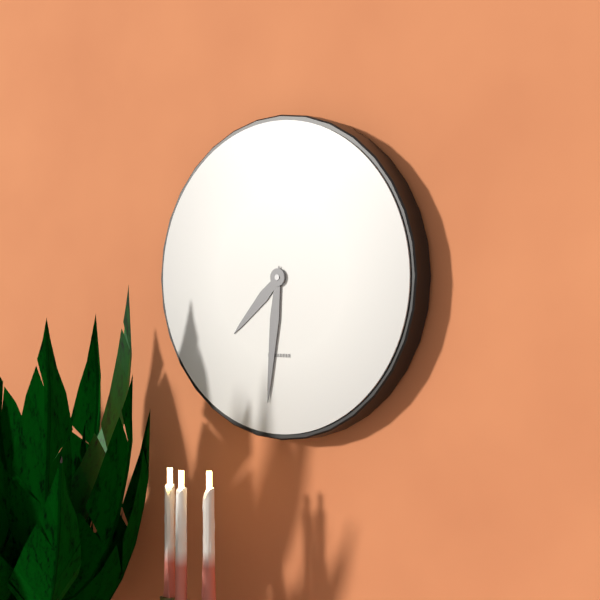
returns 7,31
